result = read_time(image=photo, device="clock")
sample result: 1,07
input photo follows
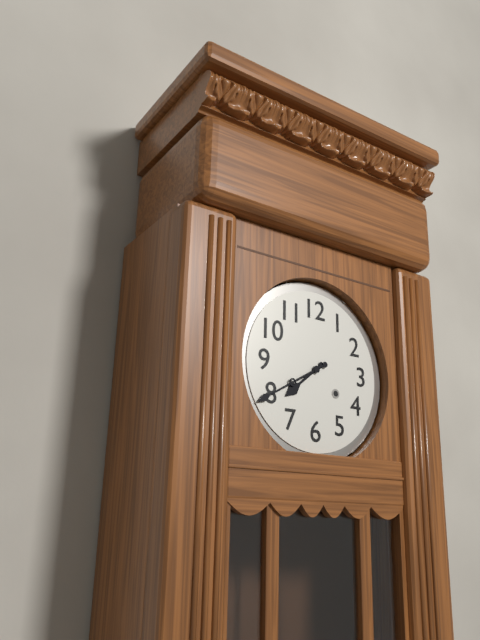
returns 7,40
